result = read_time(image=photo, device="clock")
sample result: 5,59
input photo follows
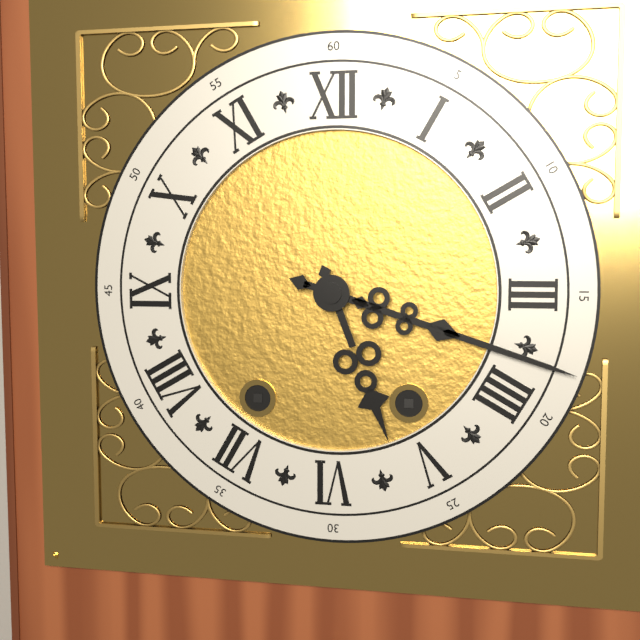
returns 5,18
